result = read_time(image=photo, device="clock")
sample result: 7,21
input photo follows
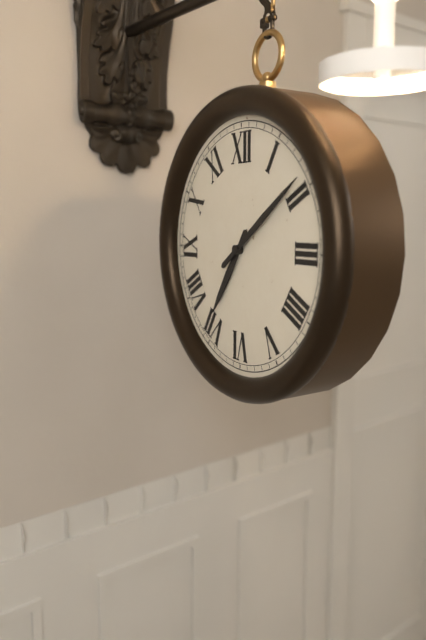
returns 7,09
